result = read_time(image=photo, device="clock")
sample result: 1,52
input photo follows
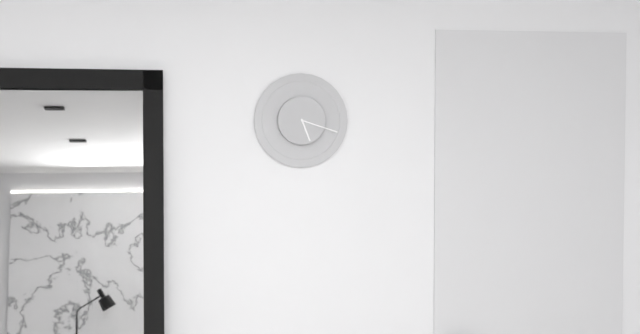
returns 5,18
